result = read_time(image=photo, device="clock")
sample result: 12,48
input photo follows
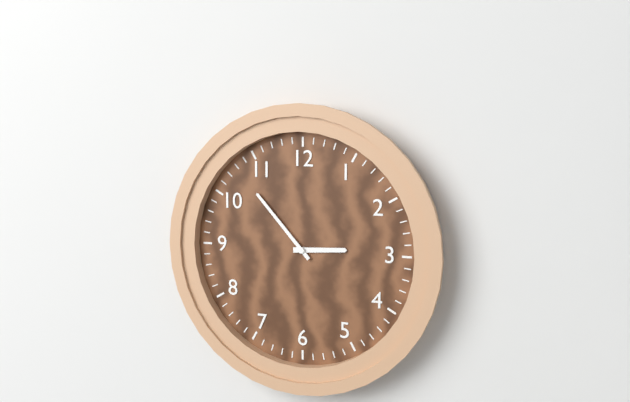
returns 2,53
